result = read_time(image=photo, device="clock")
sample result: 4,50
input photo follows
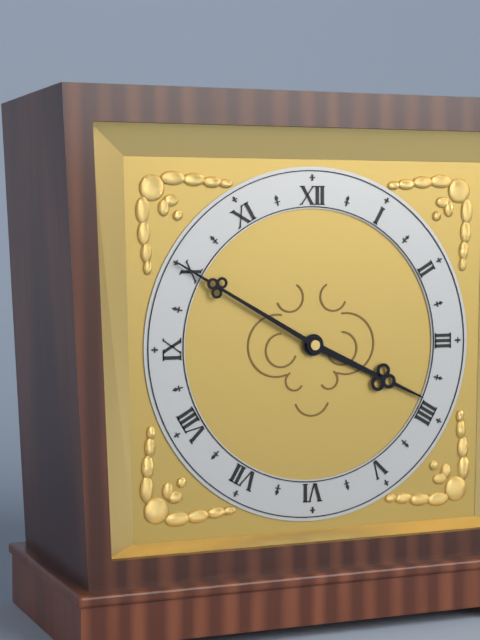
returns 3,50
